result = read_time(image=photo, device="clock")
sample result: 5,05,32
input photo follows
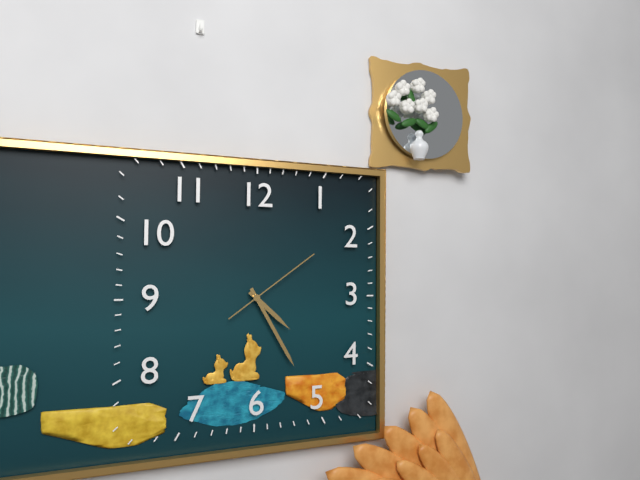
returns 4,25,09
